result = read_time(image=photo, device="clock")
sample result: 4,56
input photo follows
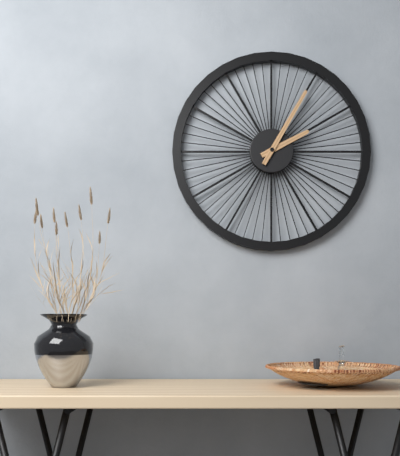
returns 2,05
